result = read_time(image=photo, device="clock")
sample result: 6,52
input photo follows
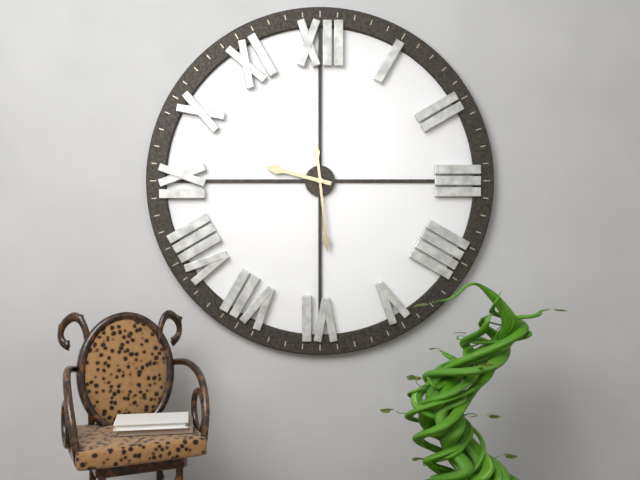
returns 9,29
